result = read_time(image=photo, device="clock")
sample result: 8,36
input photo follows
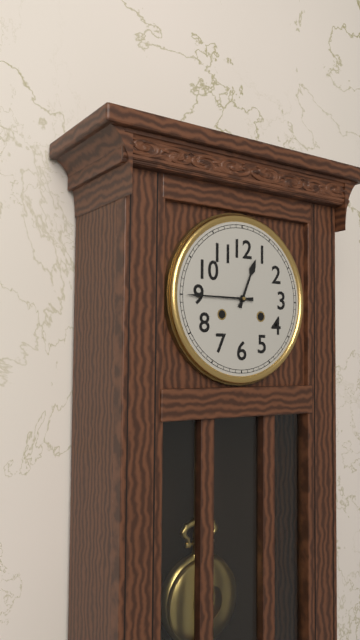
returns 12,45
